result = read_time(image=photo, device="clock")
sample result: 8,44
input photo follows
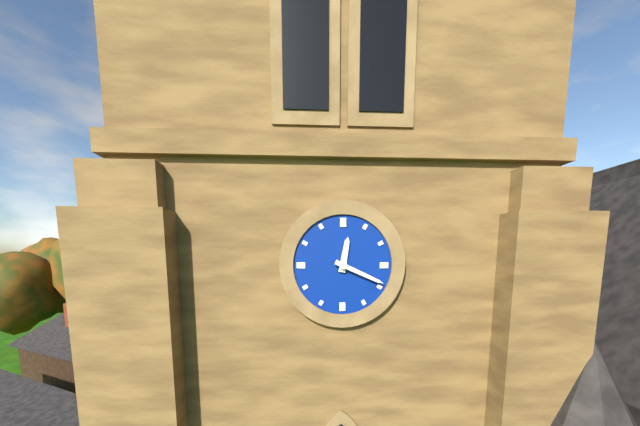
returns 12,19
